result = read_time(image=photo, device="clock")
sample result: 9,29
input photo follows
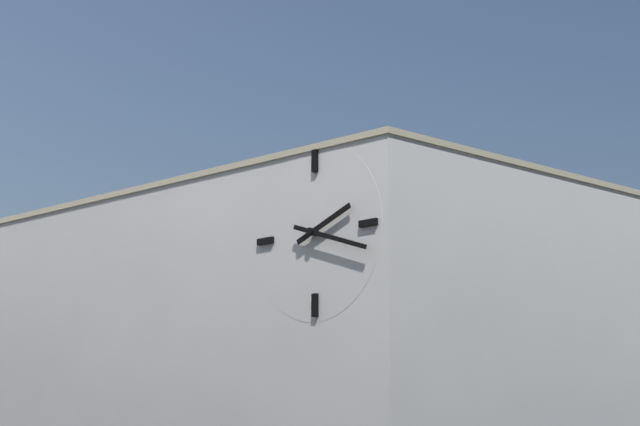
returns 2,18
